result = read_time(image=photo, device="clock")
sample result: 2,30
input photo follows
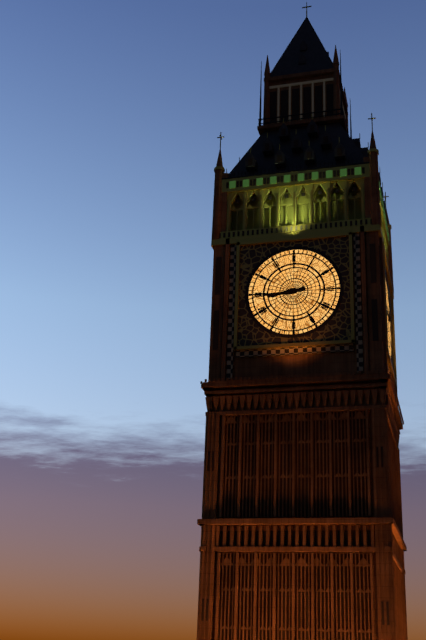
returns 8,44
